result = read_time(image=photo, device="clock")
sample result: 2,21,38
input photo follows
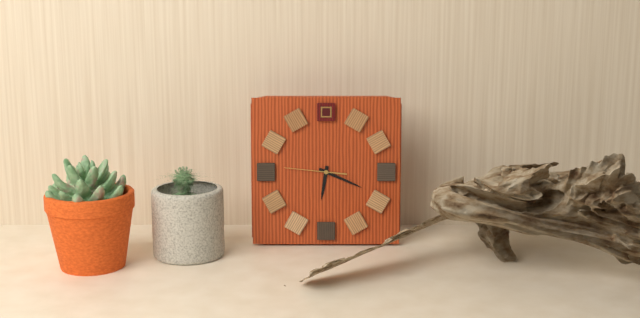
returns 6,19,46
